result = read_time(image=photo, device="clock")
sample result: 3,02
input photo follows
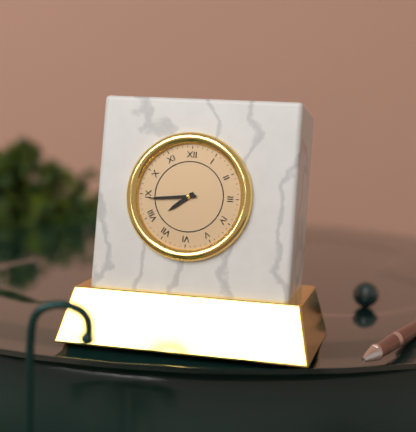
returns 7,44
